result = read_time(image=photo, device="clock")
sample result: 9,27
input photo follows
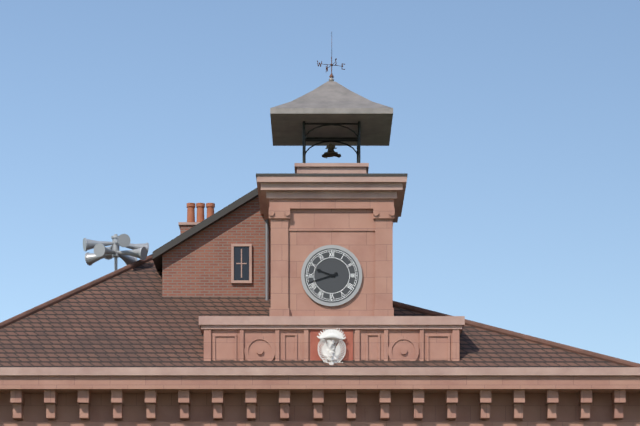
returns 9,42
